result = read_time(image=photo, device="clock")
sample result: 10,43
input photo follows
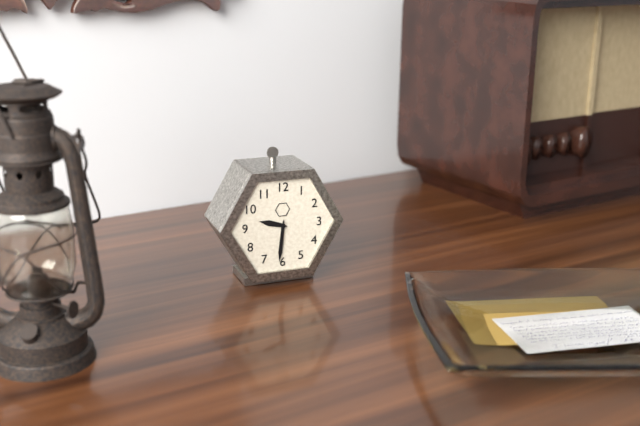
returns 9,31
